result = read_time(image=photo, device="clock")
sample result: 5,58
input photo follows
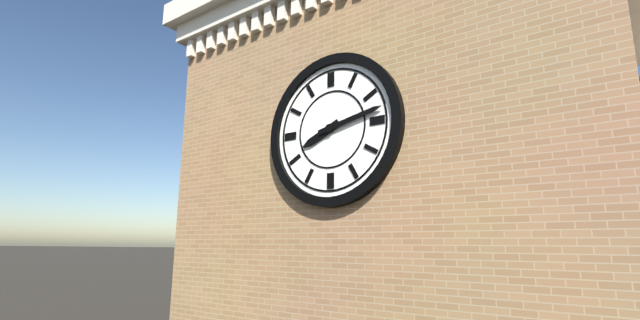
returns 8,13
